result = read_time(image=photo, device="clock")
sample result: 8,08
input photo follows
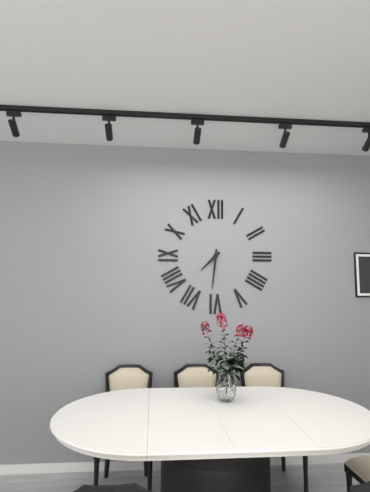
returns 7,31
